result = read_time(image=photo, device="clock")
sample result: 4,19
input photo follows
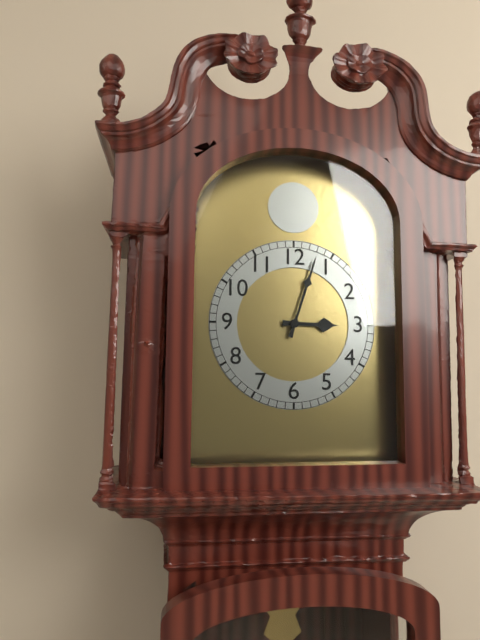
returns 3,03
